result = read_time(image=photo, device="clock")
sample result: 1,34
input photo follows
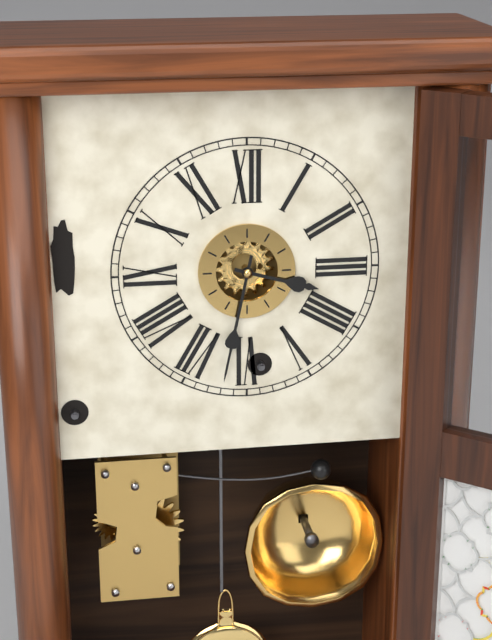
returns 3,32
